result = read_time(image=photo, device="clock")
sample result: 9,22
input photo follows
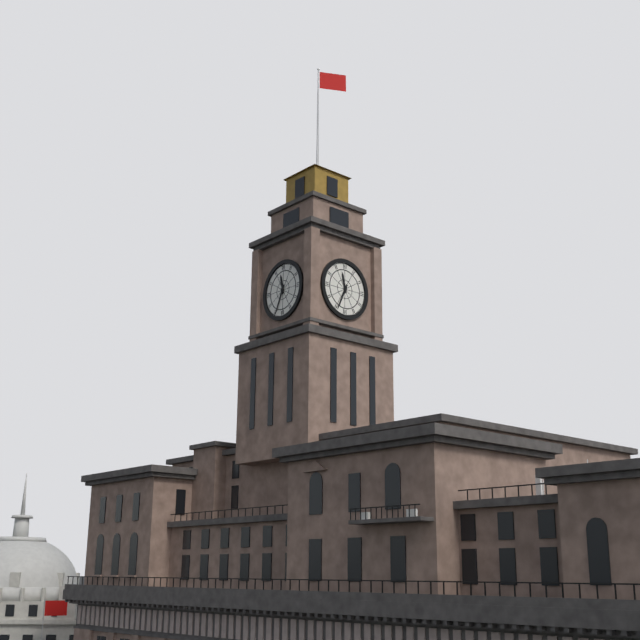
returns 11,34
